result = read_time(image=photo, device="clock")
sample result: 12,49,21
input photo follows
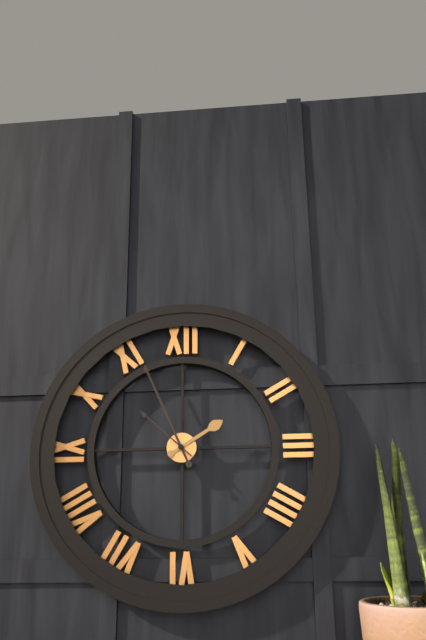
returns 1,56,52
